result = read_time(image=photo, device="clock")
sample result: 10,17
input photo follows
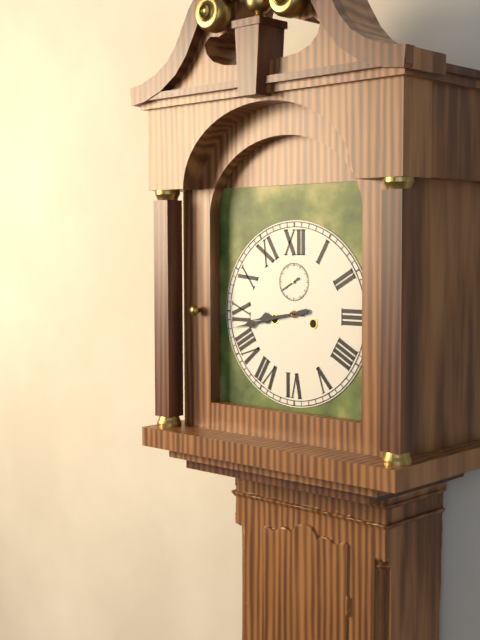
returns 8,43
